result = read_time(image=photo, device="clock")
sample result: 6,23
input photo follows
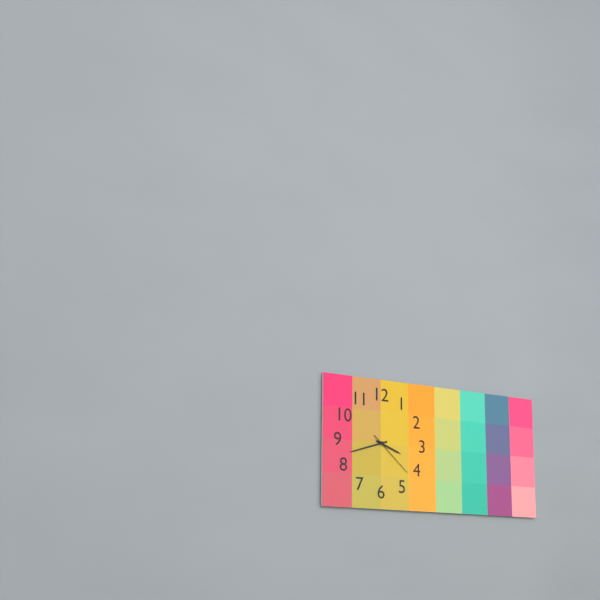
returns 3,42
